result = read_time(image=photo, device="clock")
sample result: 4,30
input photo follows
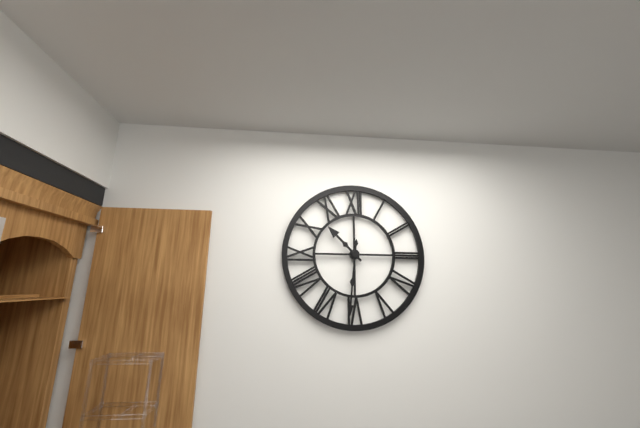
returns 10,31
